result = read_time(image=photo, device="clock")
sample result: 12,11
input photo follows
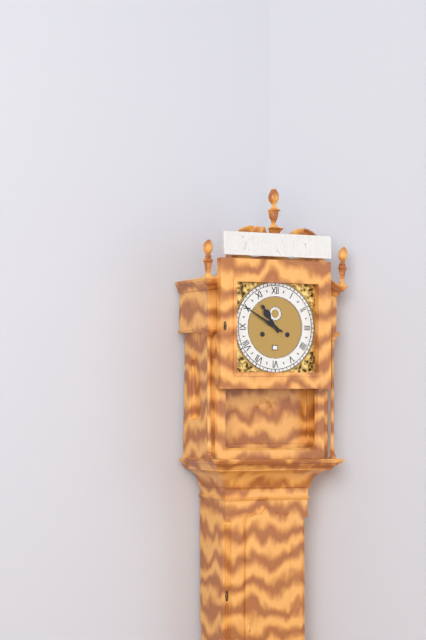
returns 10,50
